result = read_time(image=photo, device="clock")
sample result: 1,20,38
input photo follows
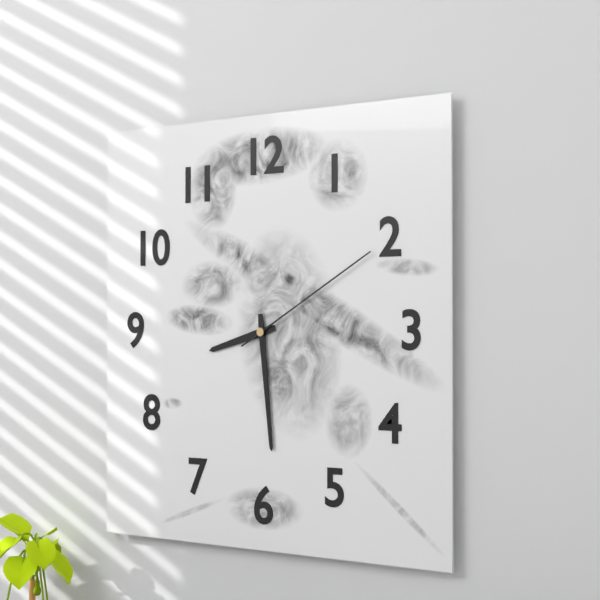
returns 8,29,10
